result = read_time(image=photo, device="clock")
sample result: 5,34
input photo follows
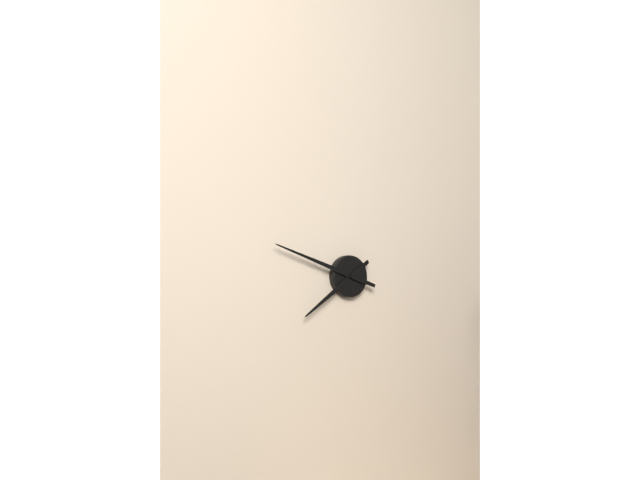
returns 7,48
